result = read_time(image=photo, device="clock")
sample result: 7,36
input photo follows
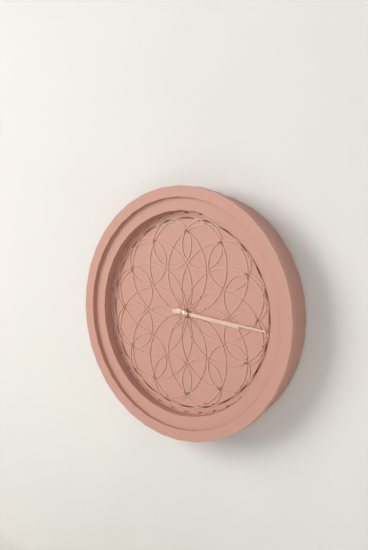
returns 3,16
